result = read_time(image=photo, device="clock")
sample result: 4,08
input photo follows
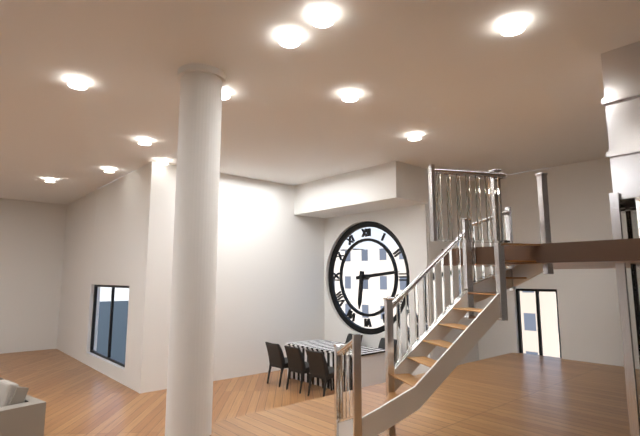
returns 6,14
